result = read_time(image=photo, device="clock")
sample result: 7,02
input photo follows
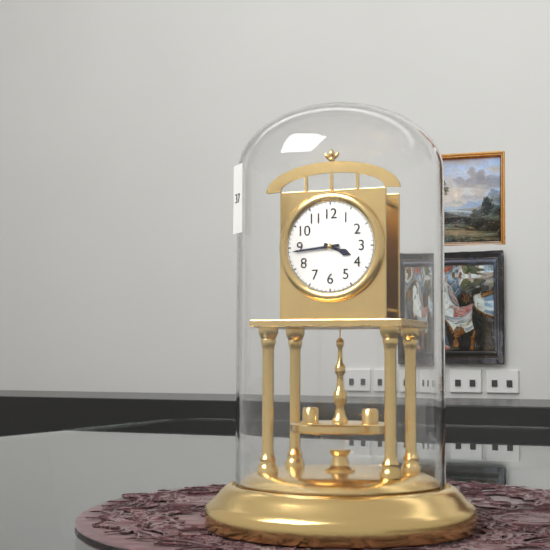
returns 3,44
